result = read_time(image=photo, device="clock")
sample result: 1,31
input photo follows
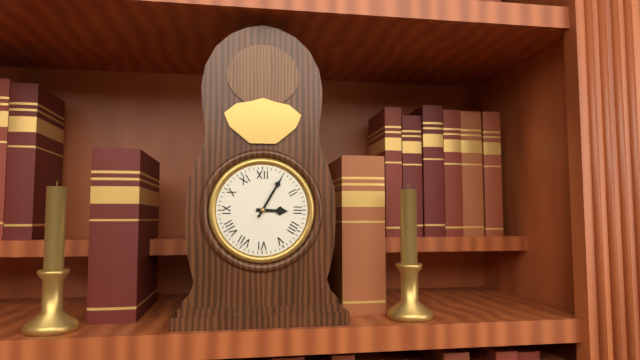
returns 3,05
